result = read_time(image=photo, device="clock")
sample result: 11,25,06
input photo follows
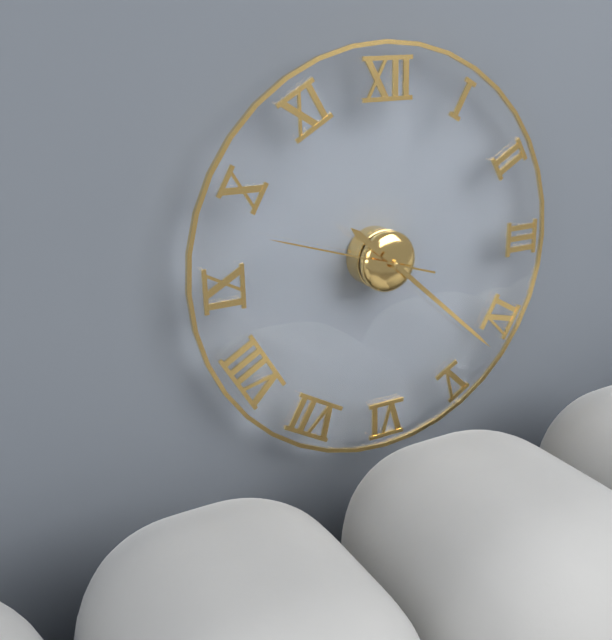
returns 10,22,48
